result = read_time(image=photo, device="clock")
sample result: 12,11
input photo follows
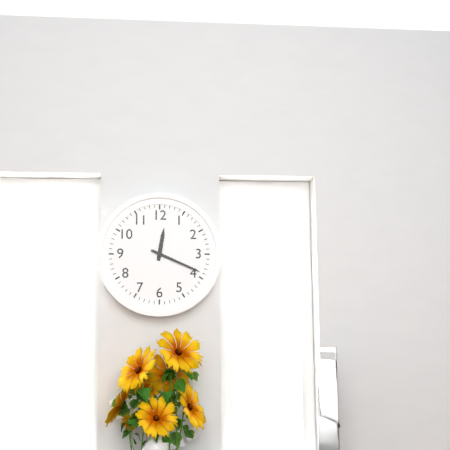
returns 12,19
